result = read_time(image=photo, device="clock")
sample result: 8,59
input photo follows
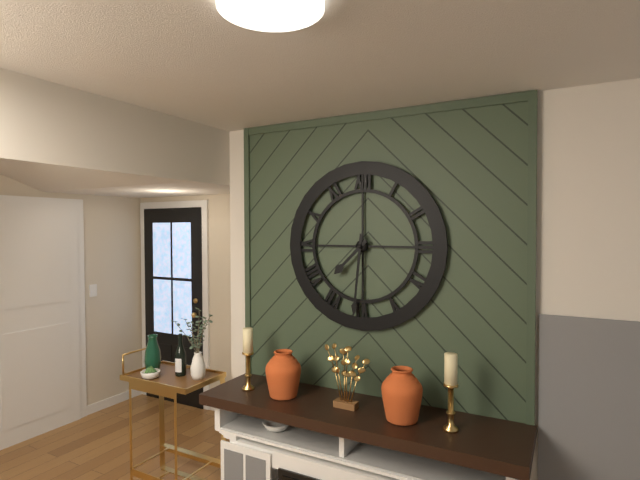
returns 7,31
